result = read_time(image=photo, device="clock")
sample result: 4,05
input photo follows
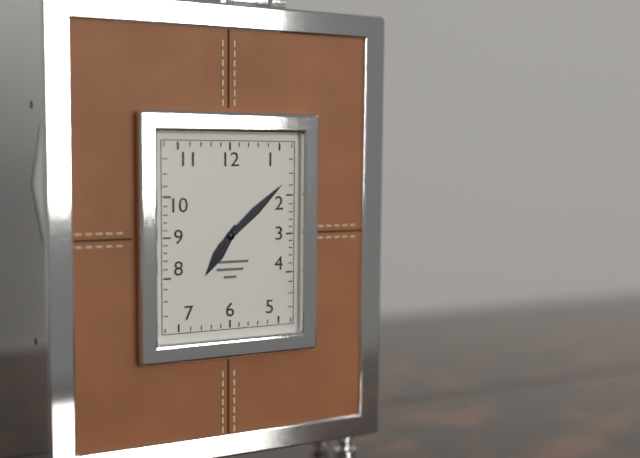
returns 7,08
